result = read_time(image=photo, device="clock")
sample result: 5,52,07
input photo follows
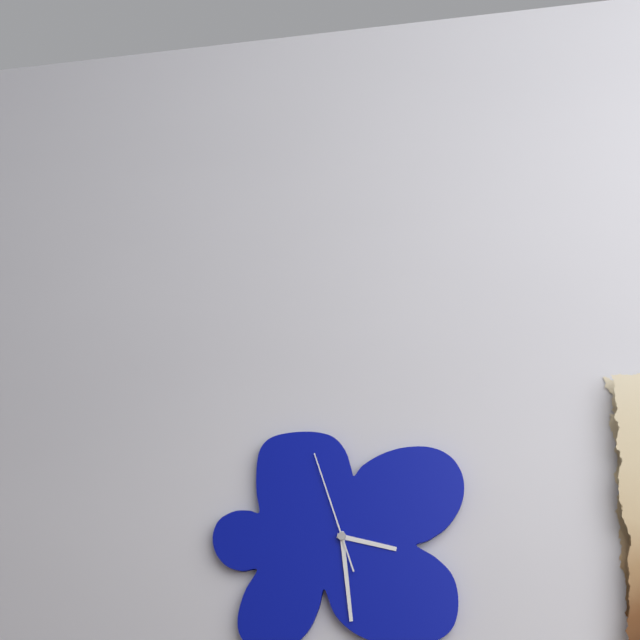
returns 3,29,57
